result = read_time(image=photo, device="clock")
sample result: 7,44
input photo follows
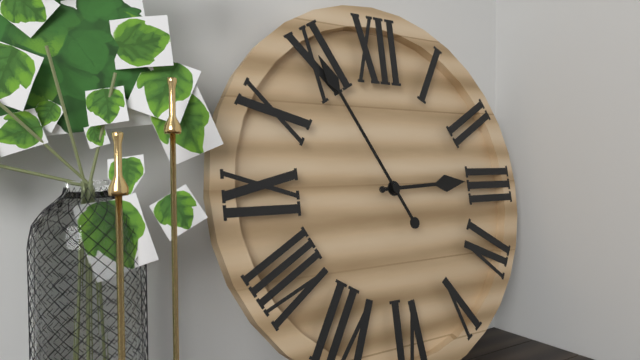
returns 2,55
